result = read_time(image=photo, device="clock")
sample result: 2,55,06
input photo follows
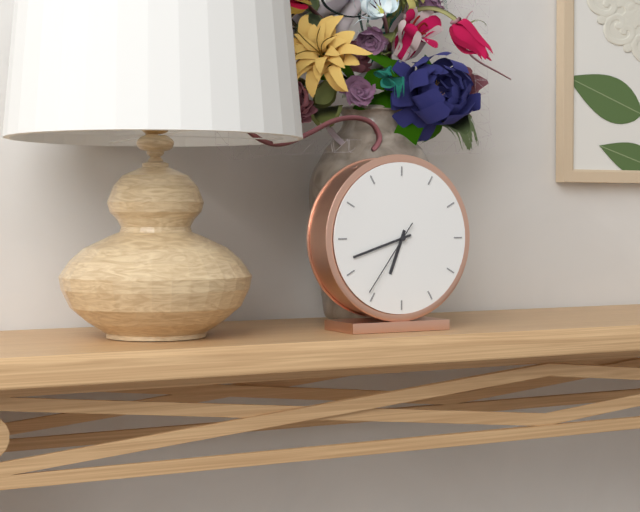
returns 6,42,36
